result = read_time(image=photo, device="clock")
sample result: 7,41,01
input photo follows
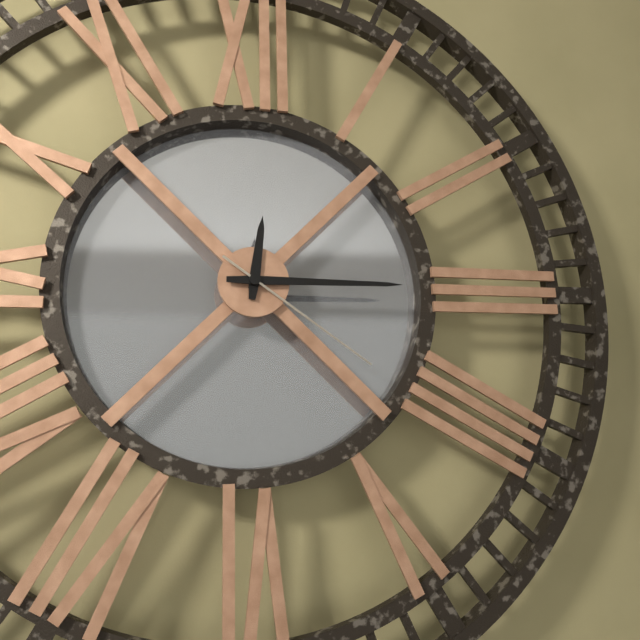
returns 12,15,21
